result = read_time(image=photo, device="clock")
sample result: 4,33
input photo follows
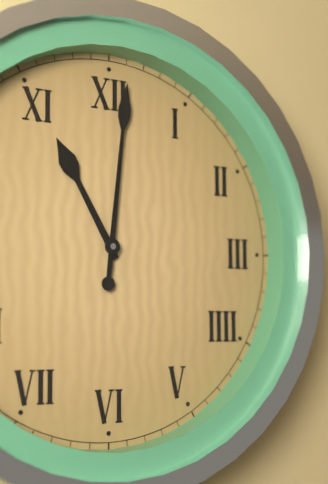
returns 11,01
